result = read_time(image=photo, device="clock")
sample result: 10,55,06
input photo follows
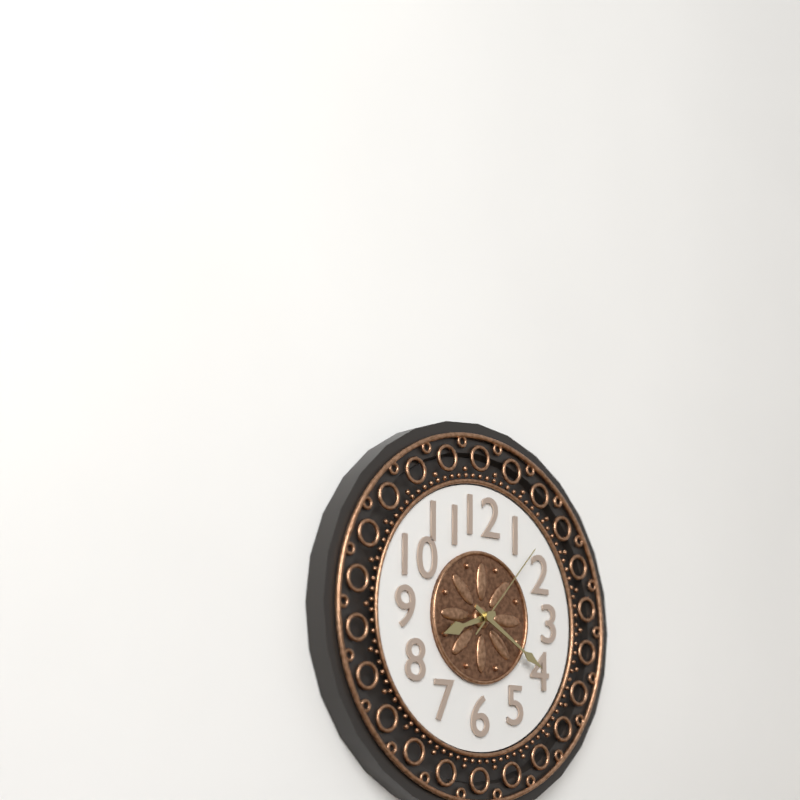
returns 8,20,07
